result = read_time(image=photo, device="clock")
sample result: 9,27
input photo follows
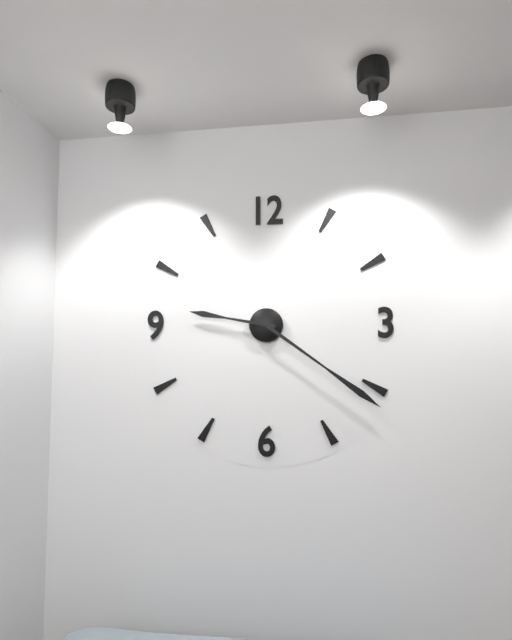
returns 9,21
